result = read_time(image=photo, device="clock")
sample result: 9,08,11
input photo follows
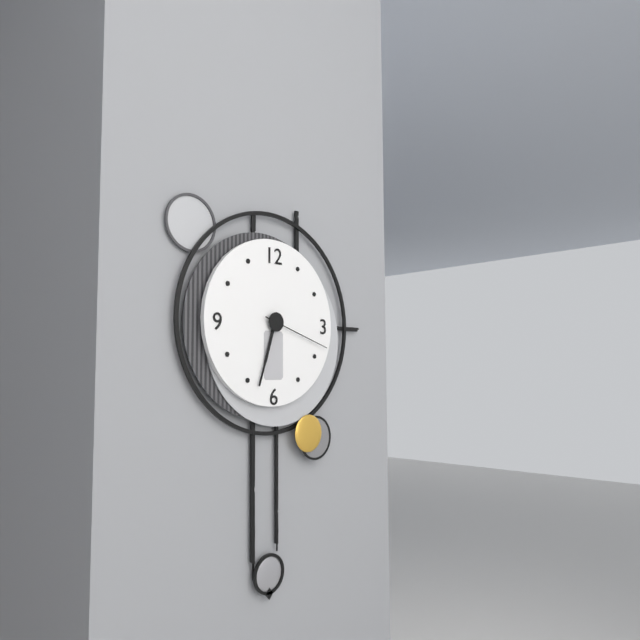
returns 6,33,18
